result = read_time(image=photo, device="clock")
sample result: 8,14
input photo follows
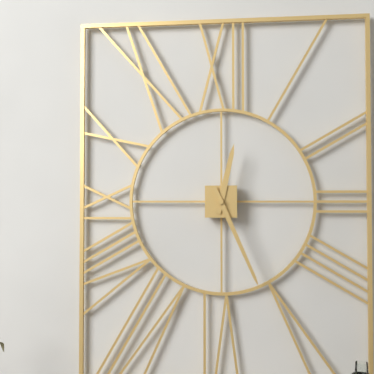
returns 12,26
